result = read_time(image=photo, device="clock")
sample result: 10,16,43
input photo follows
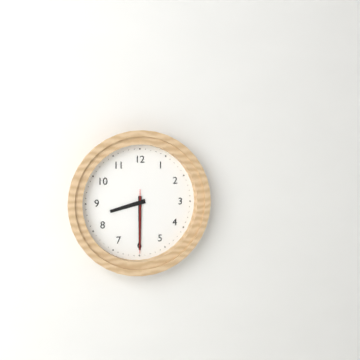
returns 8,30,30
